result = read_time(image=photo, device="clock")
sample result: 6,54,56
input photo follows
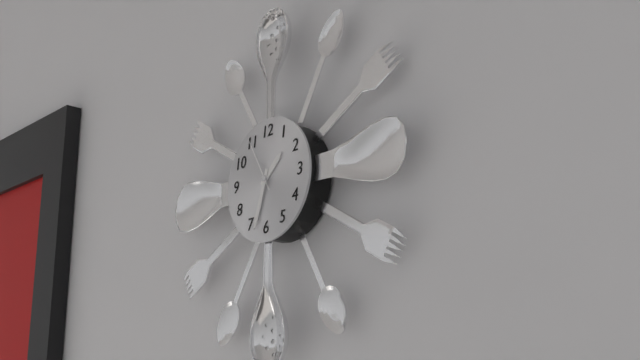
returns 1,33,55
